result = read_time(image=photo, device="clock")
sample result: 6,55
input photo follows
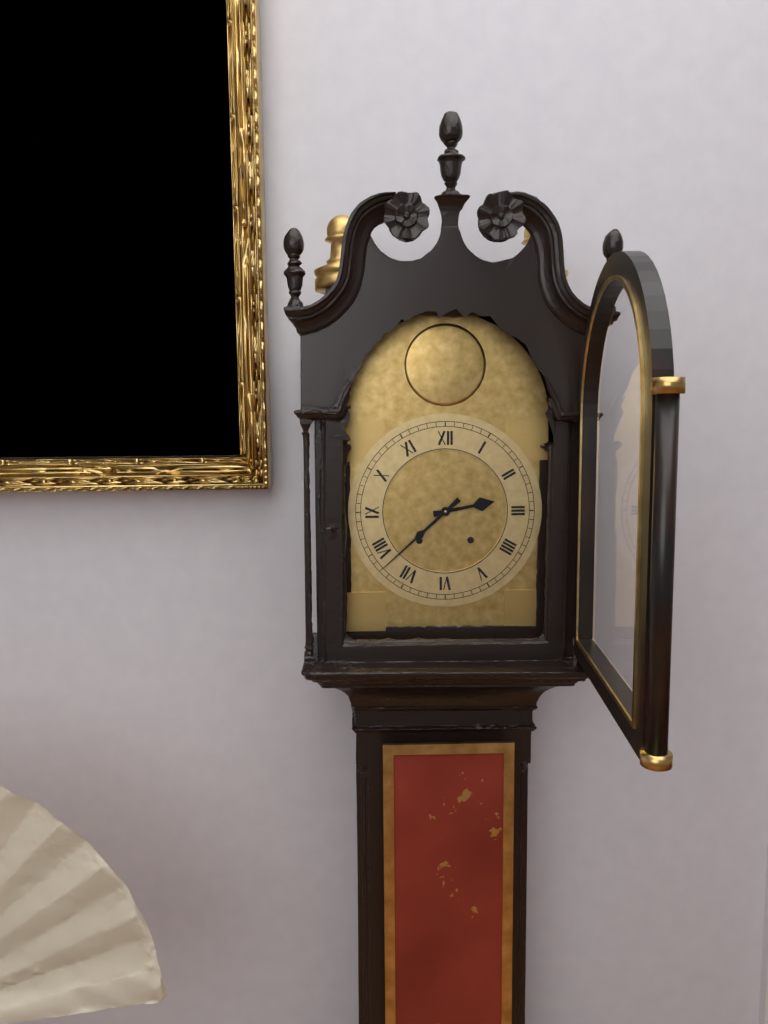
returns 2,38
